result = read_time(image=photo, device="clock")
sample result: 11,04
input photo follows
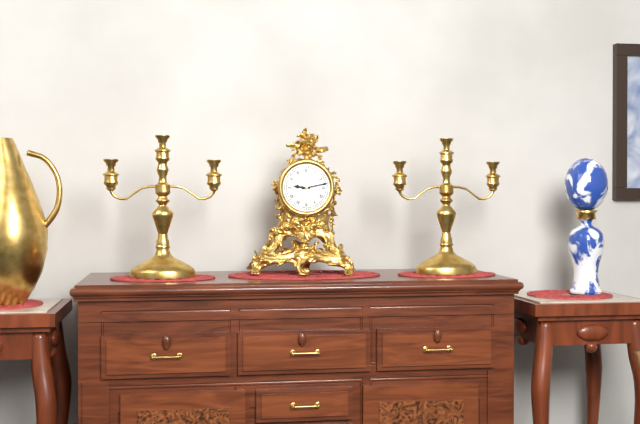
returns 9,13
